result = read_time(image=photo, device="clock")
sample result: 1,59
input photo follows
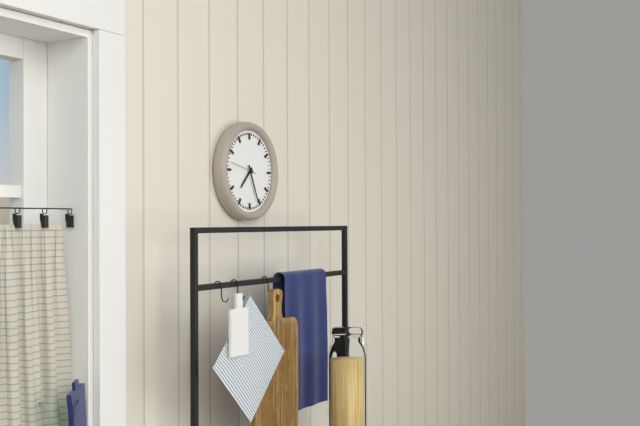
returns 7,26
